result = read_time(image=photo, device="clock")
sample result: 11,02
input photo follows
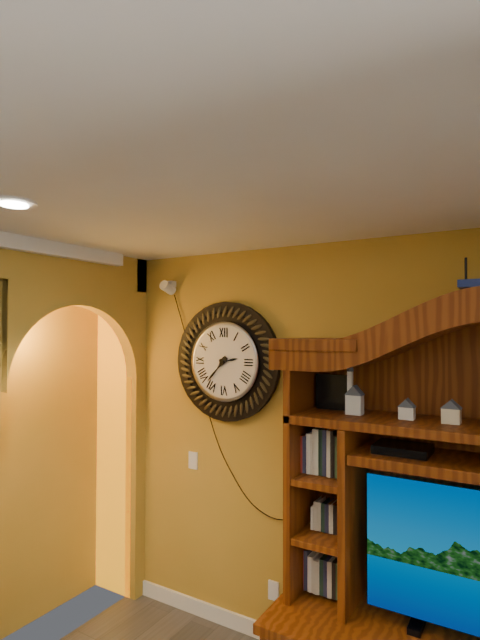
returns 2,37
